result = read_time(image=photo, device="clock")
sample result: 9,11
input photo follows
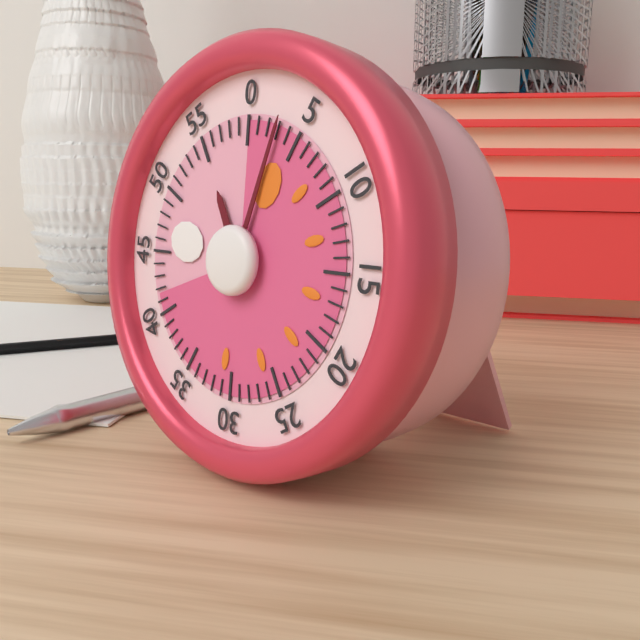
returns 11,03
